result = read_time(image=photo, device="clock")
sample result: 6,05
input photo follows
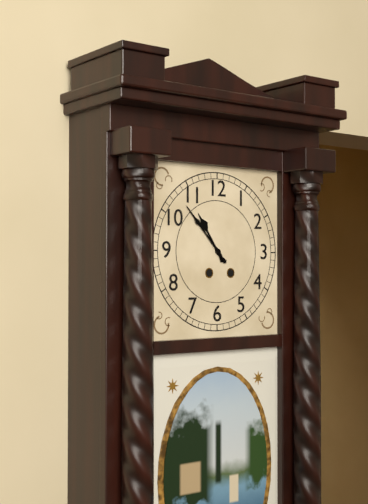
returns 10,53
